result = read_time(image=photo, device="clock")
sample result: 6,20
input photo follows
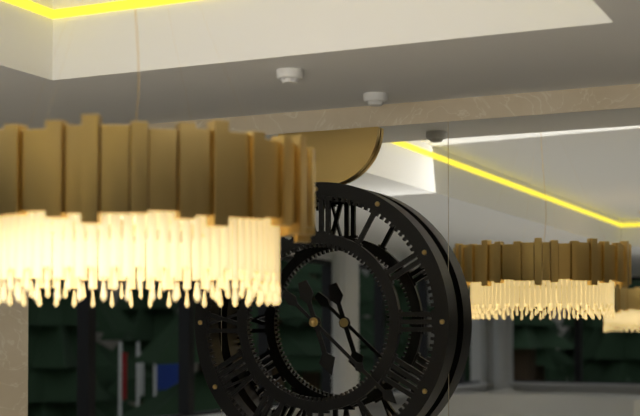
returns 5,22
